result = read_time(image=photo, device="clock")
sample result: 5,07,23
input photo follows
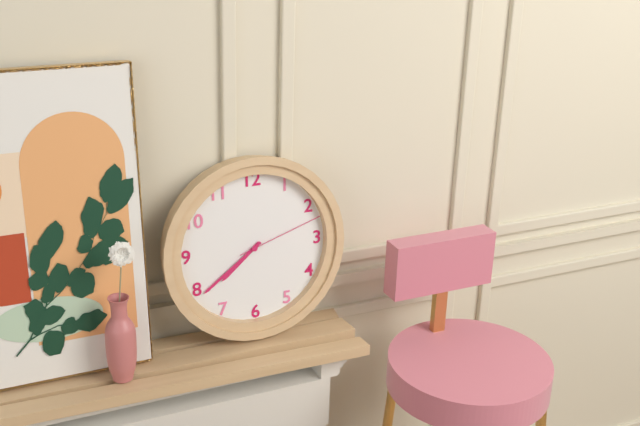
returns 7,39,12
